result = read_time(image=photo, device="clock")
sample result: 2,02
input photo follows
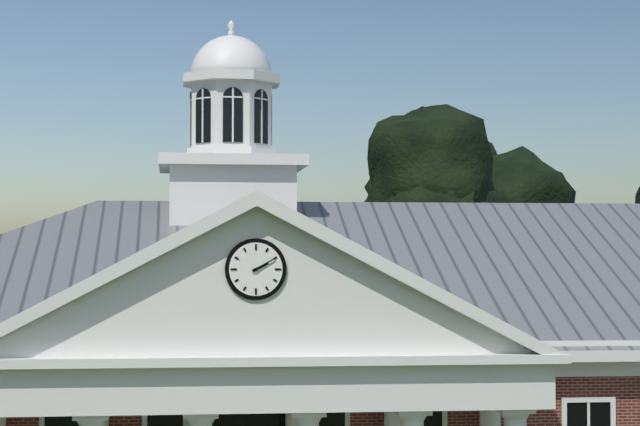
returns 2,10
